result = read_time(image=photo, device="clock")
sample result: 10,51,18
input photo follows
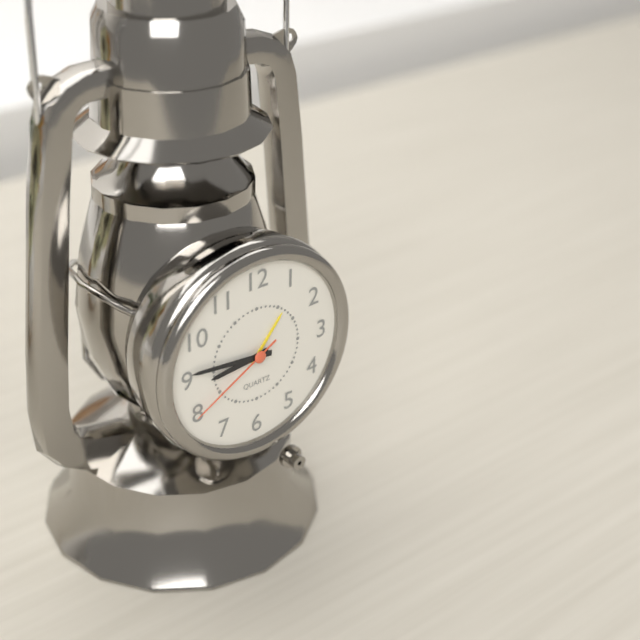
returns 8,46,40
